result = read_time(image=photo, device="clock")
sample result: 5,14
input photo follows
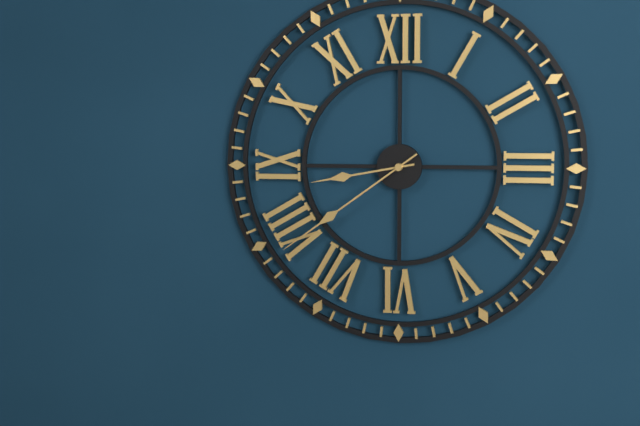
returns 8,39
